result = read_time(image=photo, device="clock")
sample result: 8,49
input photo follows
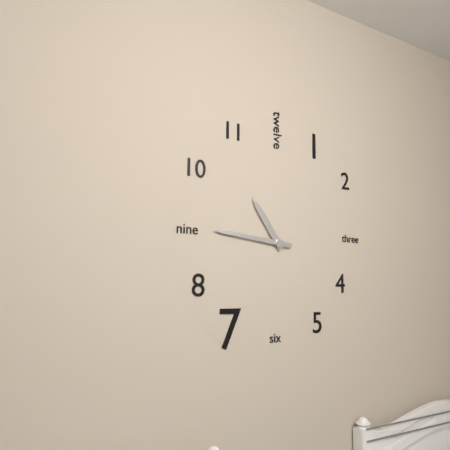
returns 10,46
